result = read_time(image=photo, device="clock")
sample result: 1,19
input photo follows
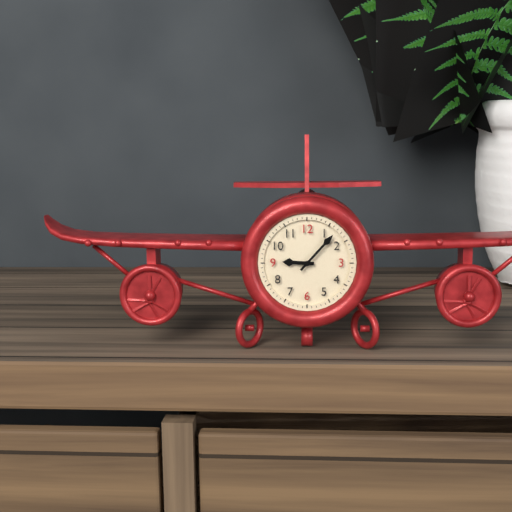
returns 9,07
